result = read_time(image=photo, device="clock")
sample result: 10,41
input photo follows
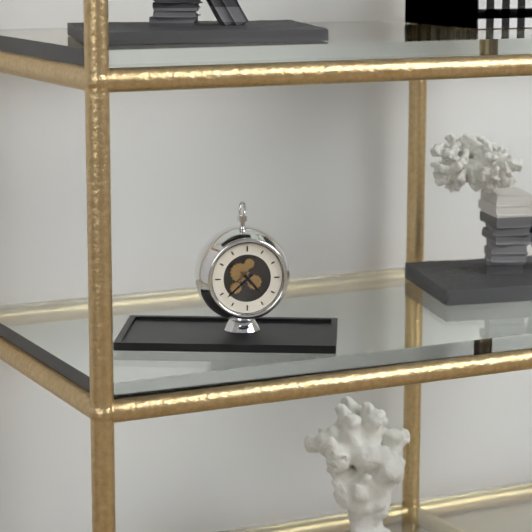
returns 4,38
